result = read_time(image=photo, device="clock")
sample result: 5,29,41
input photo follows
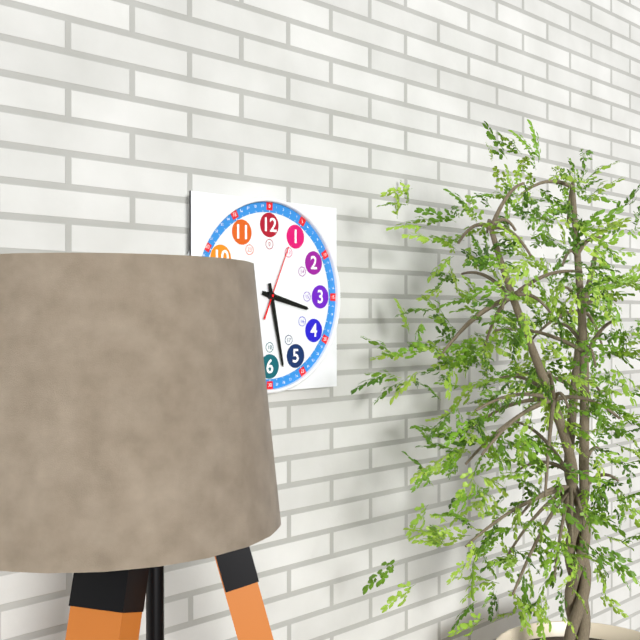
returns 3,28,04
